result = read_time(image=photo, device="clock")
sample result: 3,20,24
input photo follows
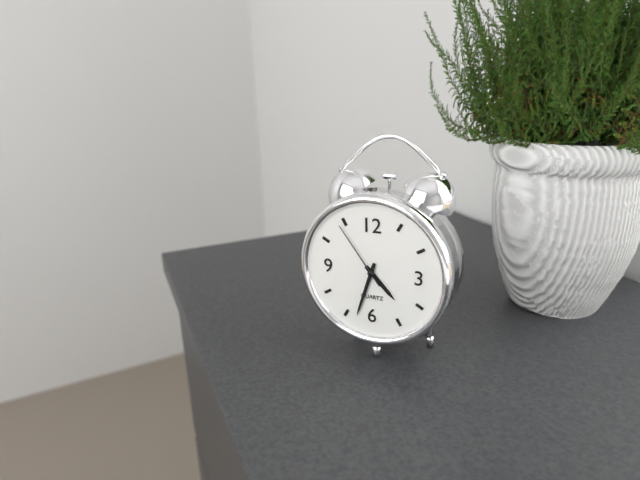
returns 4,33,54
